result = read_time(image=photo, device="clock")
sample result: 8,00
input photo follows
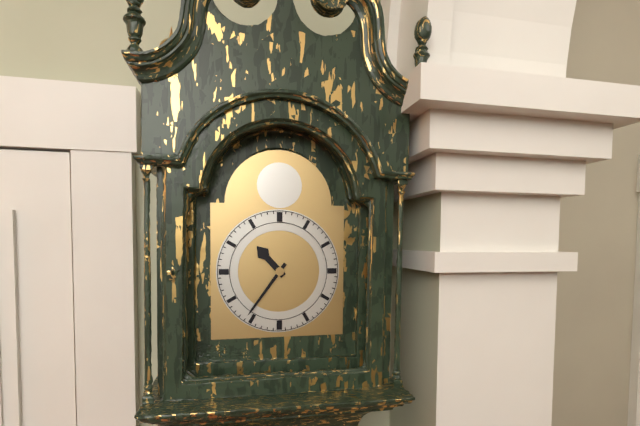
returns 10,36
